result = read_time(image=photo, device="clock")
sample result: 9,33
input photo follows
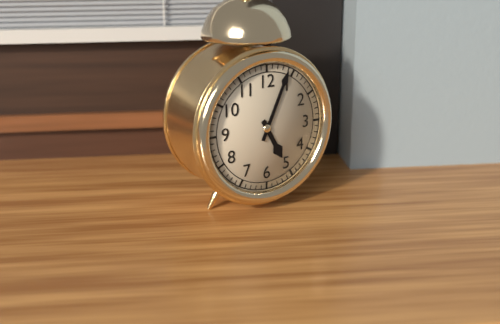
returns 5,04
